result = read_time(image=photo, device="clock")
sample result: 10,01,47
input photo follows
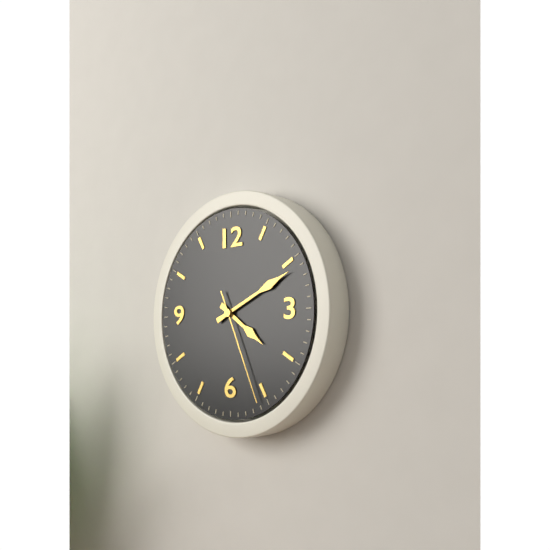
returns 4,11,26
